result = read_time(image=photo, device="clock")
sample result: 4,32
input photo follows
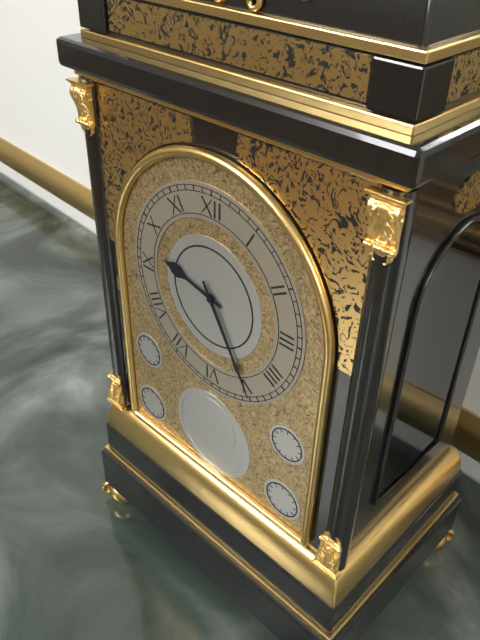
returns 9,25
